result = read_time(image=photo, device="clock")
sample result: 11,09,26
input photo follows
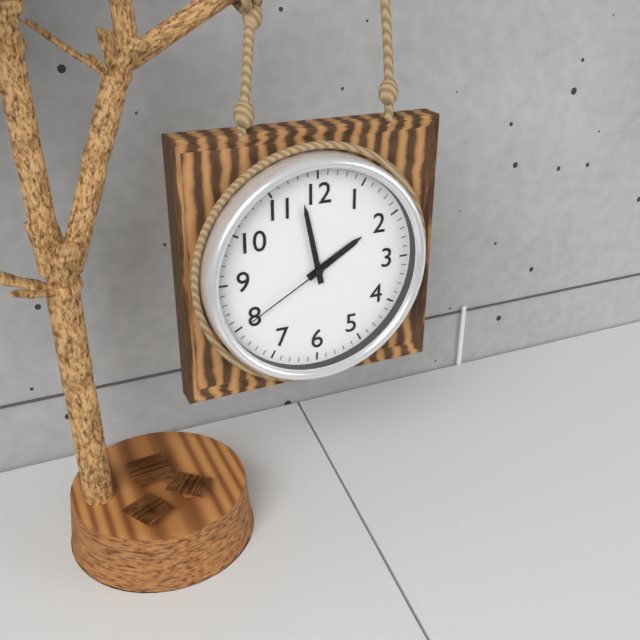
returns 1,58,40
